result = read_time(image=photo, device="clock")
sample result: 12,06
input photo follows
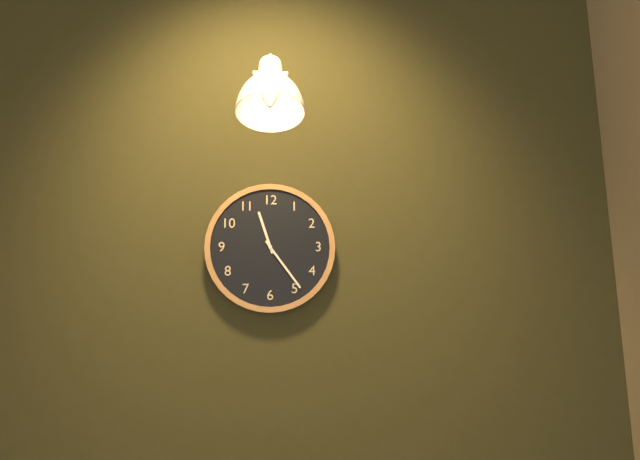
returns 11,24
